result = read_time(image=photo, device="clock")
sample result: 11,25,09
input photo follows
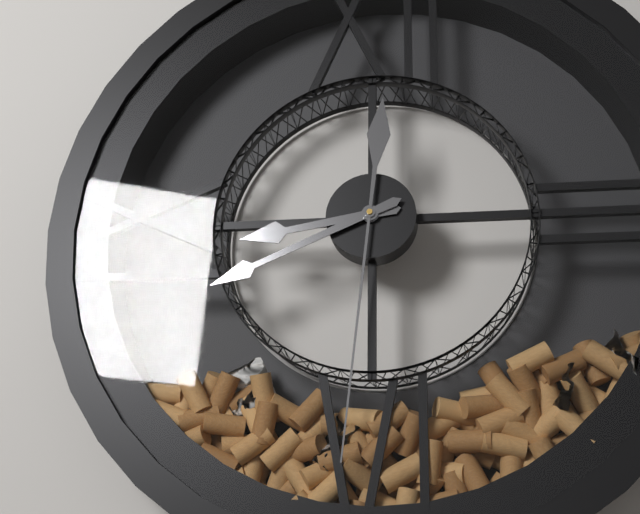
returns 8,41,31
